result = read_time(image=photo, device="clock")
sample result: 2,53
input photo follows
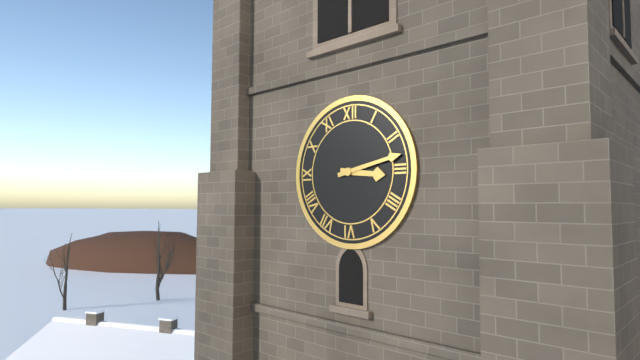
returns 3,13
